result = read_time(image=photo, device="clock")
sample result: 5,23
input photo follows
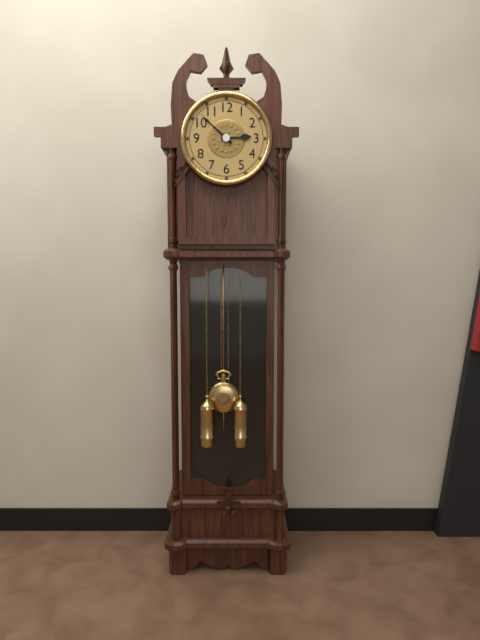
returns 2,52
